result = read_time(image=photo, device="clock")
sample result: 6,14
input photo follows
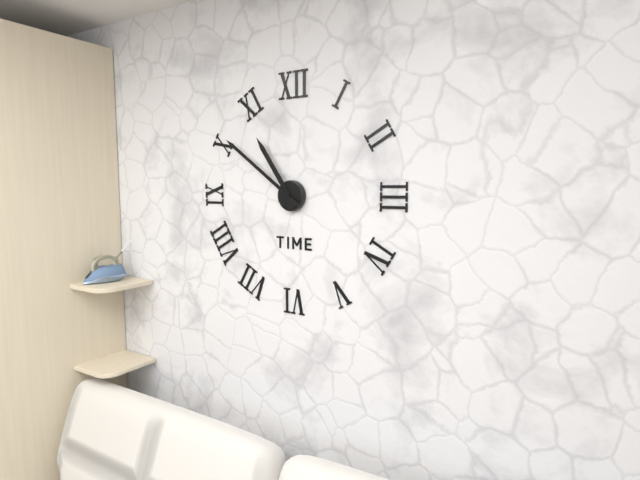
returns 10,51
